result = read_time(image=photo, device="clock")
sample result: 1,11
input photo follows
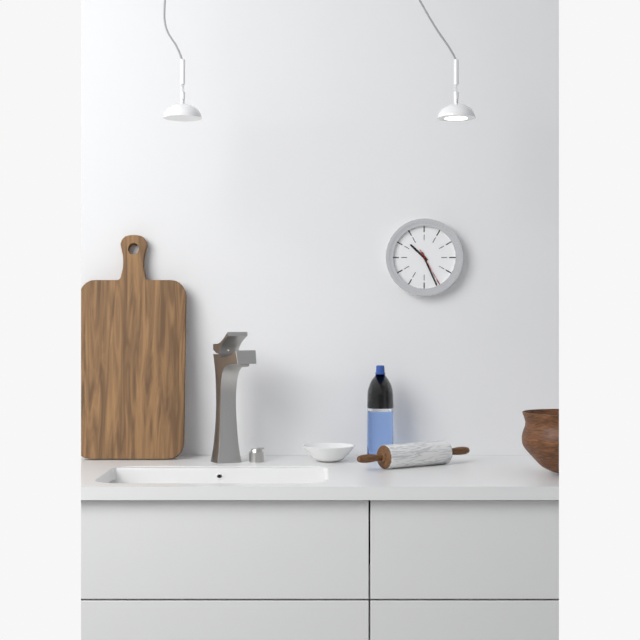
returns 10,26
